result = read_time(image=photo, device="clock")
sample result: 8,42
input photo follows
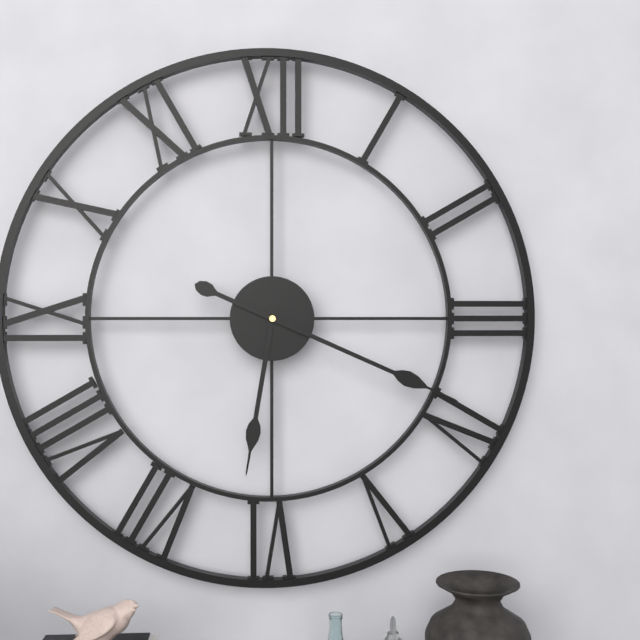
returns 6,19
